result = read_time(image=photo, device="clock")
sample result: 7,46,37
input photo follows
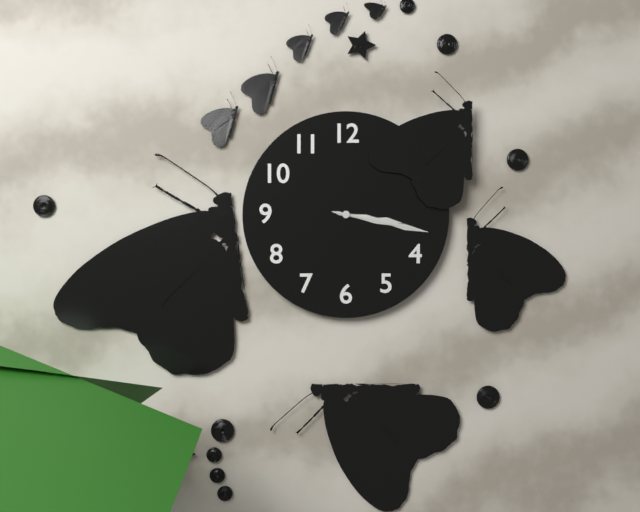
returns 3,17,17
